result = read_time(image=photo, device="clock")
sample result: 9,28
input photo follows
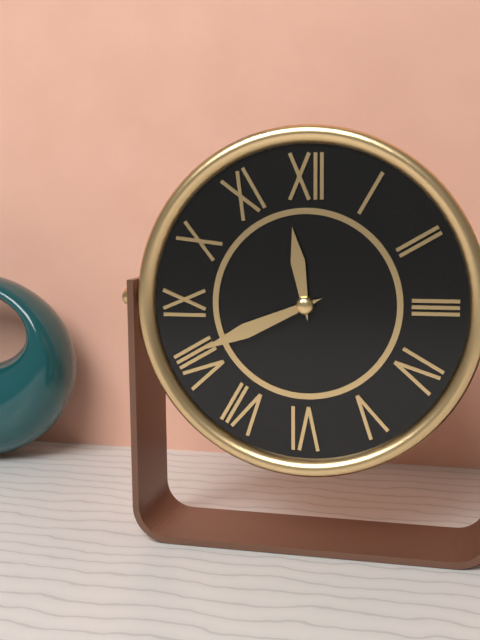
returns 11,41
